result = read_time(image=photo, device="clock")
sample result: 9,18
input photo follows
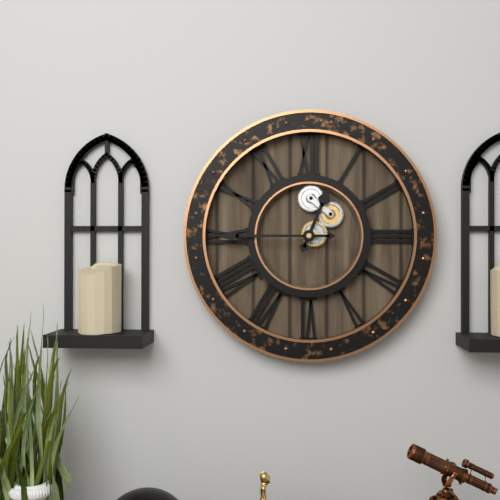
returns 12,45
